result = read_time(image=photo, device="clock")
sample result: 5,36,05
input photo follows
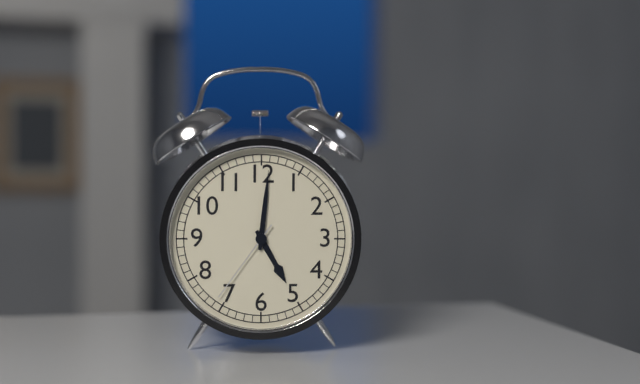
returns 5,01,36
